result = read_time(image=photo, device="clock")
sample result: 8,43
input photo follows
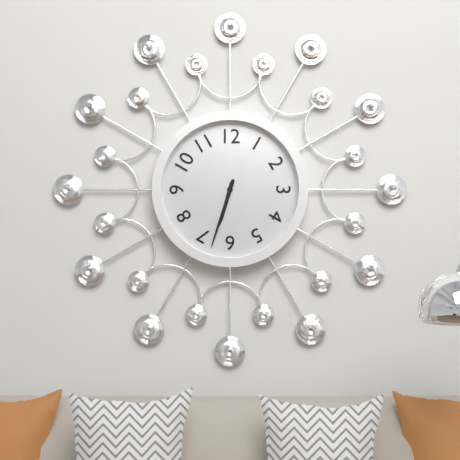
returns 6,33
